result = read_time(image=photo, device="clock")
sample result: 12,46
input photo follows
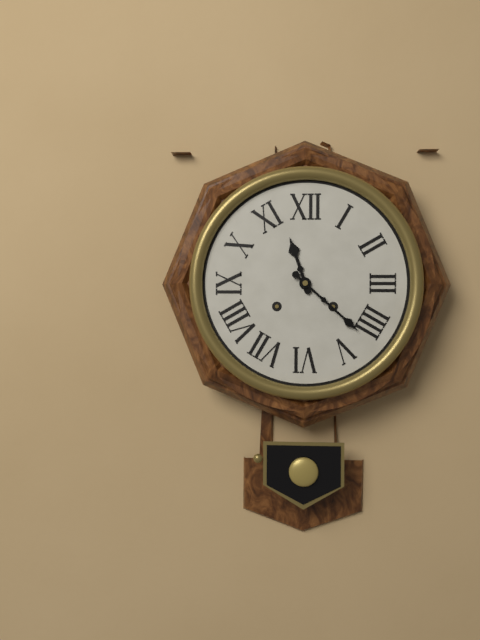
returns 11,22
